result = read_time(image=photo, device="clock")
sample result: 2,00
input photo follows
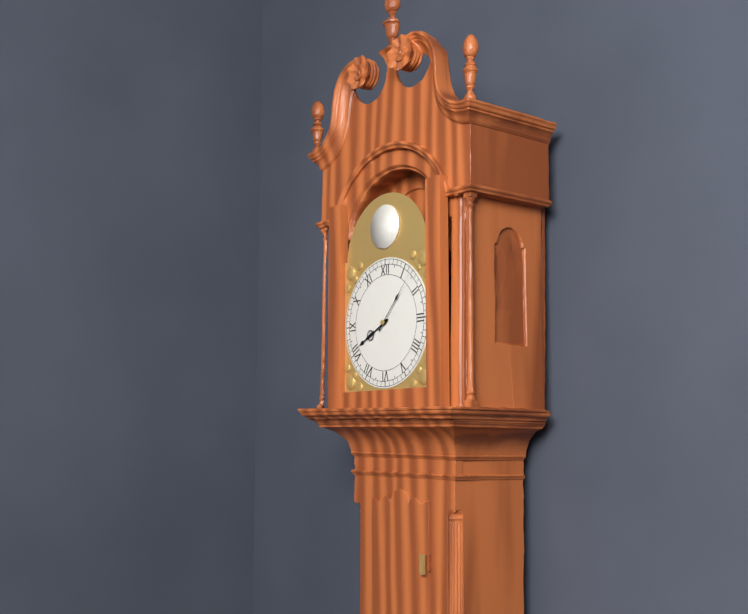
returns 8,07
